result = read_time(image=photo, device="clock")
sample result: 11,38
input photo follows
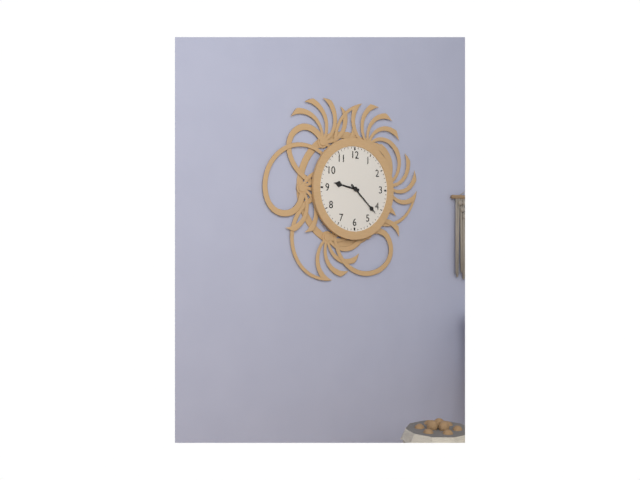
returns 9,22
